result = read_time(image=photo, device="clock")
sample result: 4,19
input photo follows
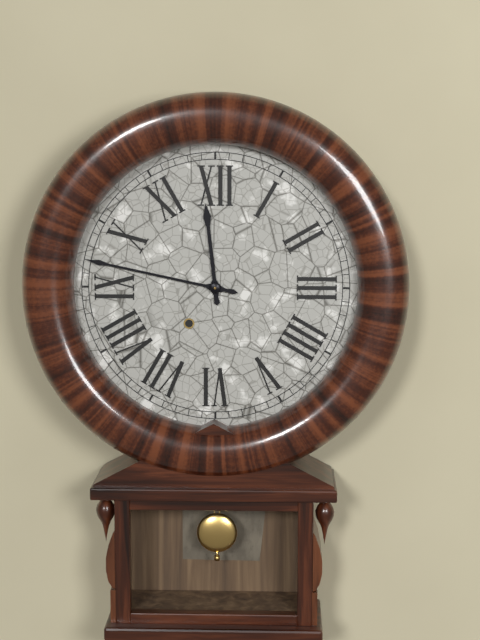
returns 11,47
